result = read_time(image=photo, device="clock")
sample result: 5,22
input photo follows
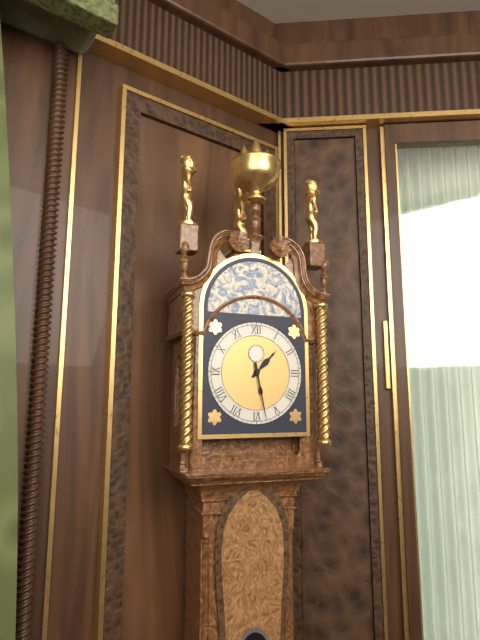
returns 1,28
